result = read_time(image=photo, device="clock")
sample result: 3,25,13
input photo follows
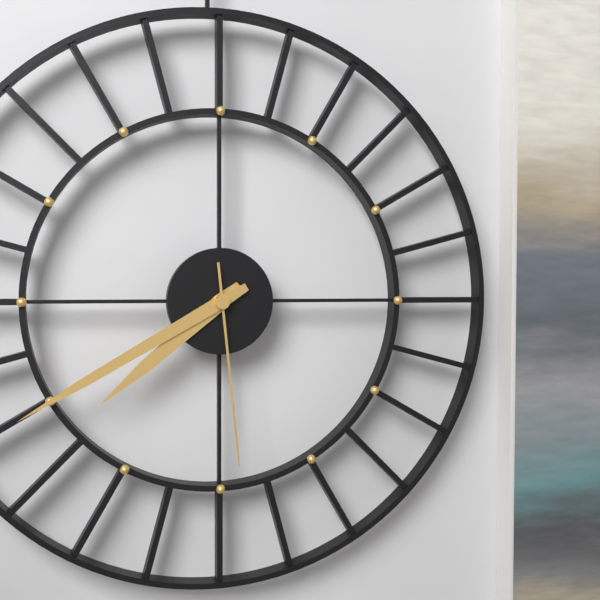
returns 7,40,29
